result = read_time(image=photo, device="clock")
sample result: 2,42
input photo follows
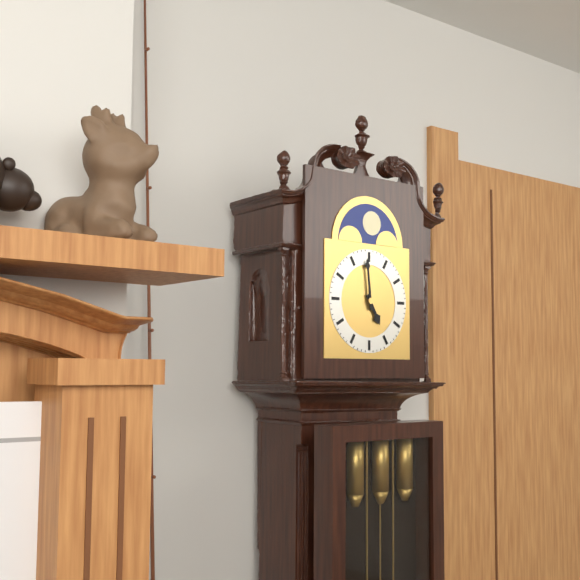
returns 4,59
